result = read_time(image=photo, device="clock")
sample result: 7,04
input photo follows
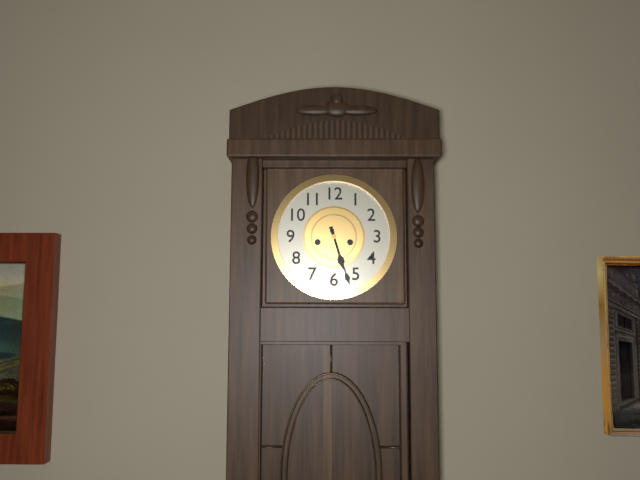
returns 5,27
